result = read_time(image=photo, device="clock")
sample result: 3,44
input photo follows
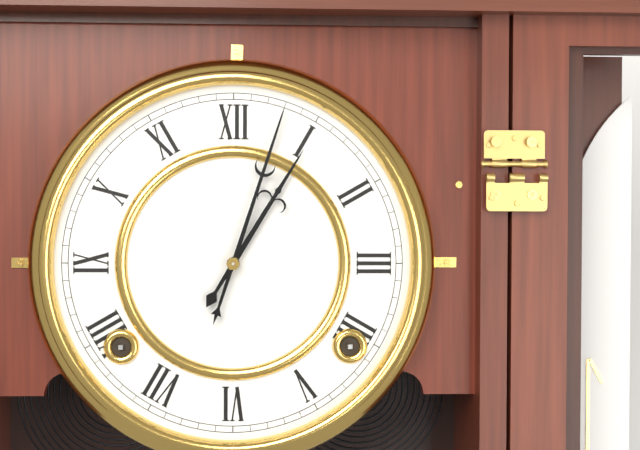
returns 1,03
